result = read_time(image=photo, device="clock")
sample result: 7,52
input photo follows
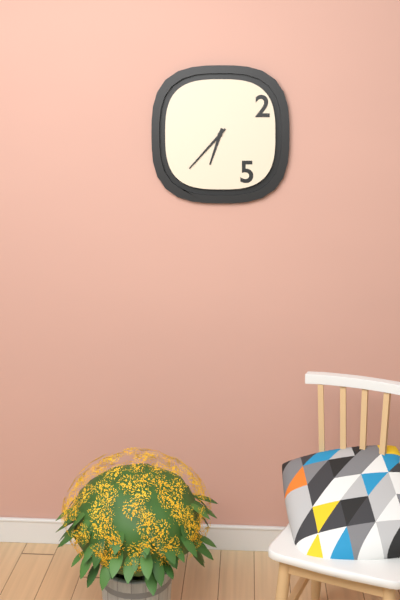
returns 6,37
